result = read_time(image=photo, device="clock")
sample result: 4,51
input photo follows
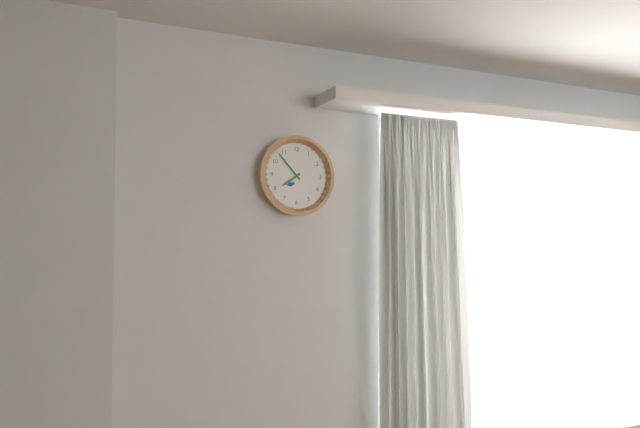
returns 7,53
